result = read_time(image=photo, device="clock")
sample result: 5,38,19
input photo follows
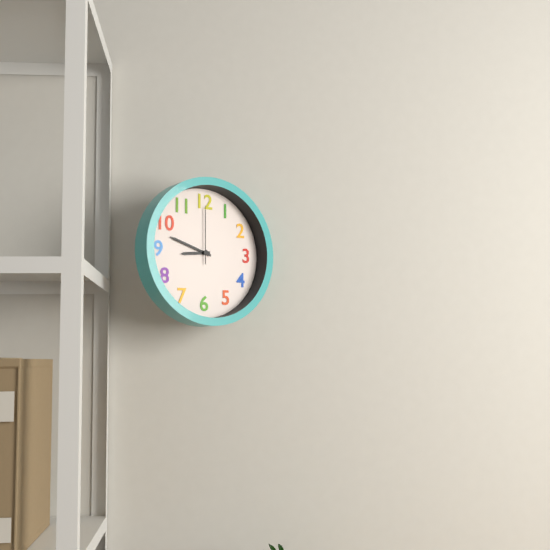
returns 8,48,00
